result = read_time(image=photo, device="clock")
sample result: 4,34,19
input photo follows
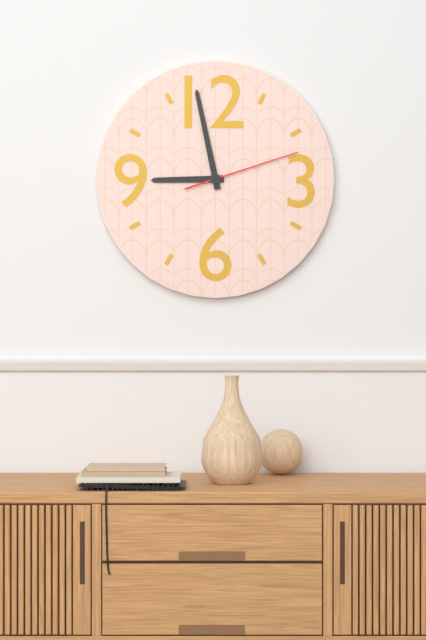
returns 8,58,12
